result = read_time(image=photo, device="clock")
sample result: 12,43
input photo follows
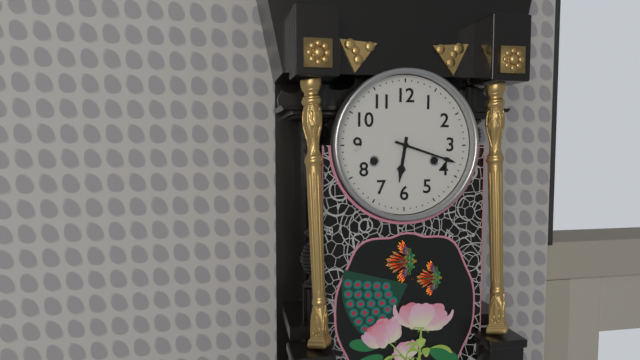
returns 6,18
